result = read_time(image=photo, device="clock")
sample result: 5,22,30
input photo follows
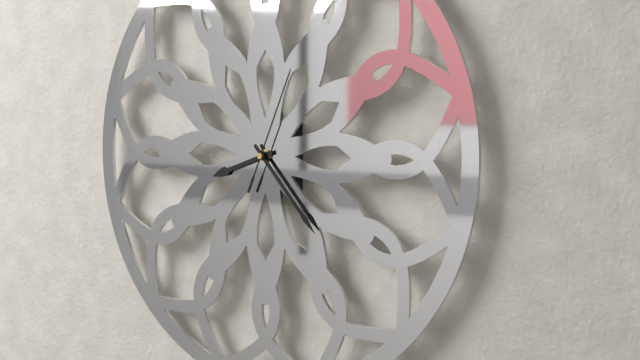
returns 8,23,04
